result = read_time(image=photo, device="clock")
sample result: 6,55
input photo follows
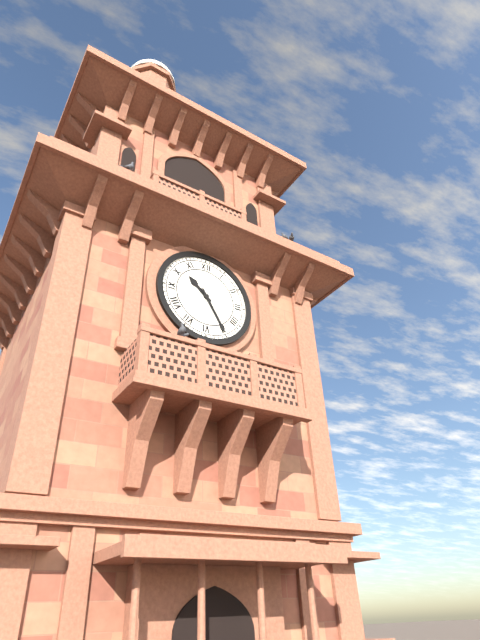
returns 10,25
